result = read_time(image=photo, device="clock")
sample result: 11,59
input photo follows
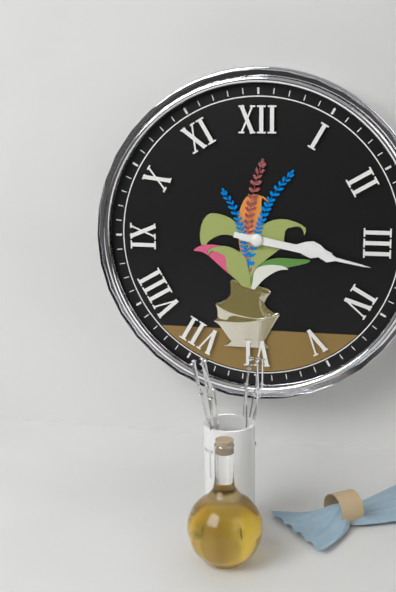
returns 3,17
